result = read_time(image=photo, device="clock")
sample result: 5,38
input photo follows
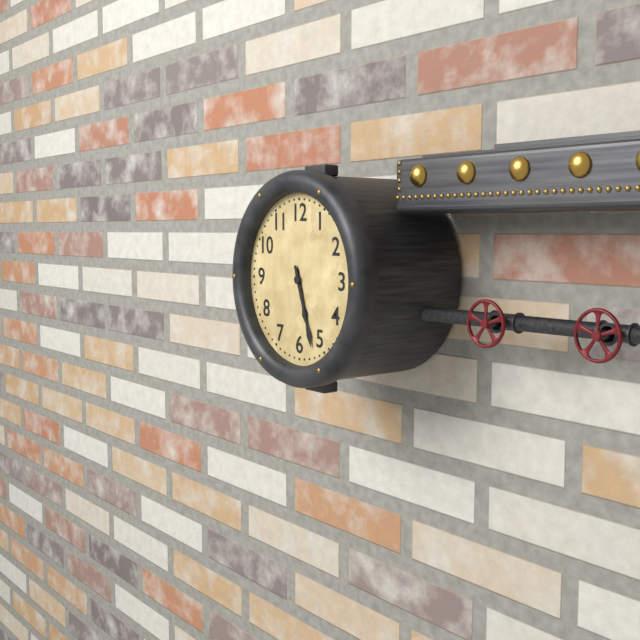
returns 5,27
